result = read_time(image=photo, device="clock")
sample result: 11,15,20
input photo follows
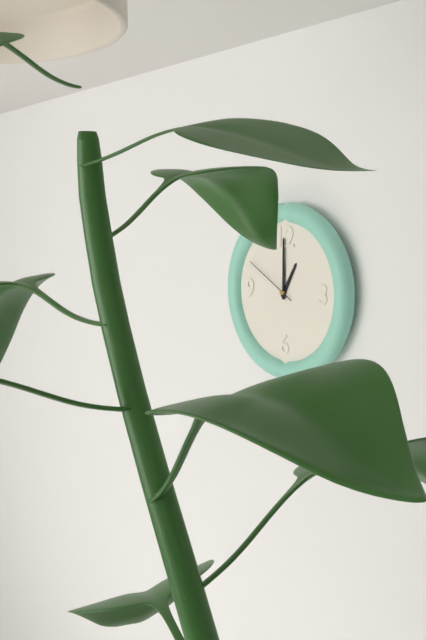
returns 1,00,50
